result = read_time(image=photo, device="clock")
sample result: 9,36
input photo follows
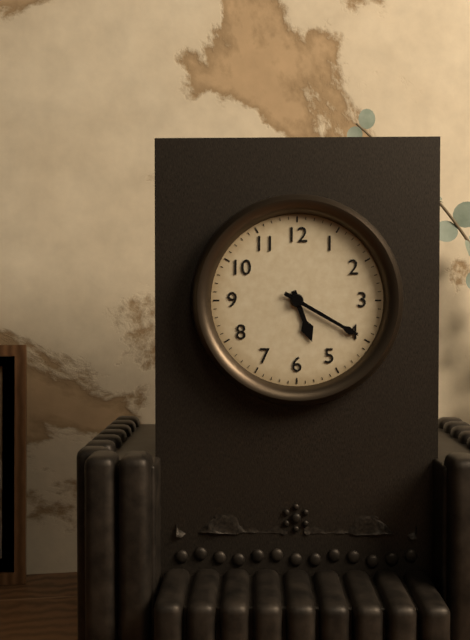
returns 5,20
